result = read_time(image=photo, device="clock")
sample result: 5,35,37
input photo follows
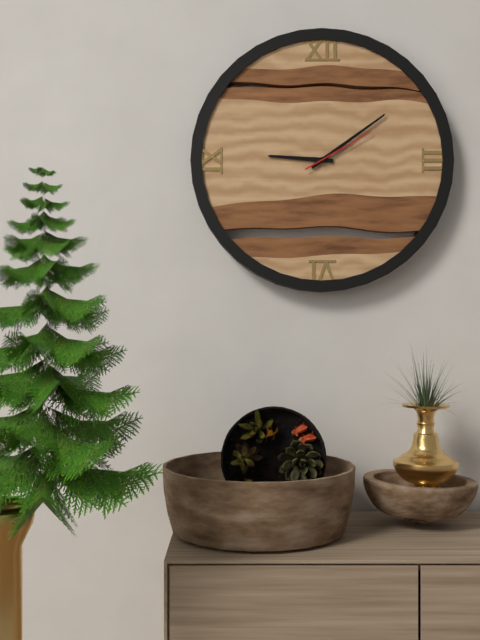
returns 9,09,10
